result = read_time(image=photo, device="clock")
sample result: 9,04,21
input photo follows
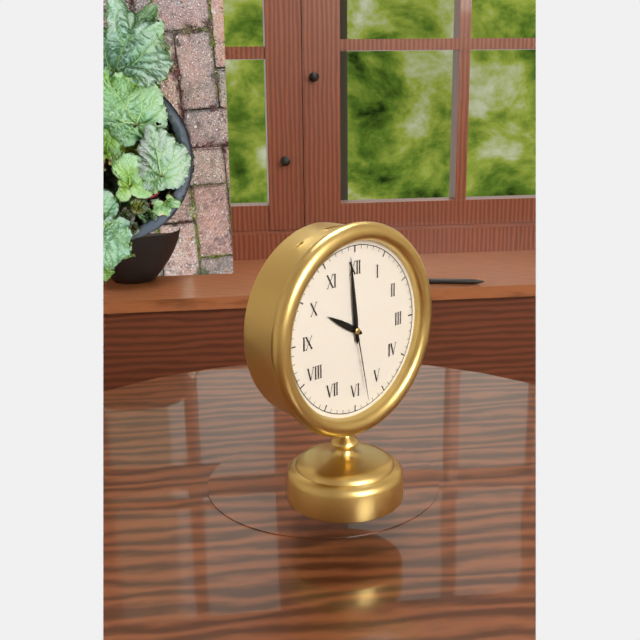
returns 9,59,28
